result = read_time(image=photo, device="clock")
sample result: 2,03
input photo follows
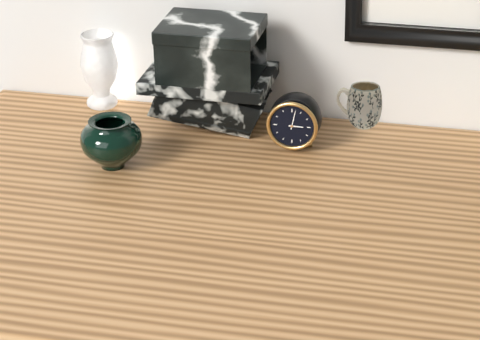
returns 3,02
